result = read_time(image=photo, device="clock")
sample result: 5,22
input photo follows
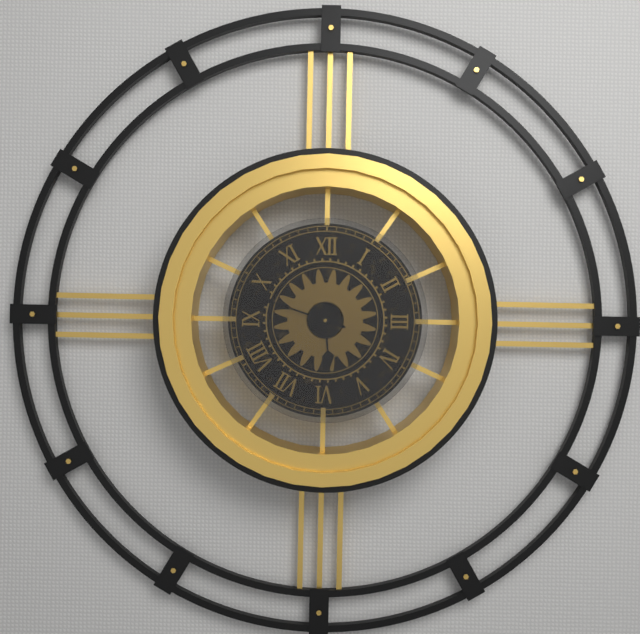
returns 5,48
